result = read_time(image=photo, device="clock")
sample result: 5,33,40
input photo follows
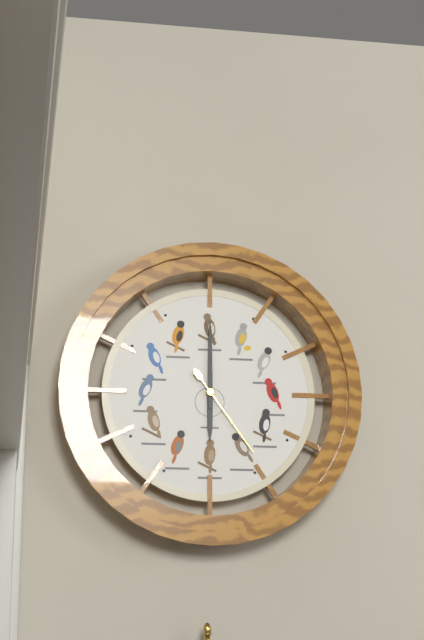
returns 6,00,24
